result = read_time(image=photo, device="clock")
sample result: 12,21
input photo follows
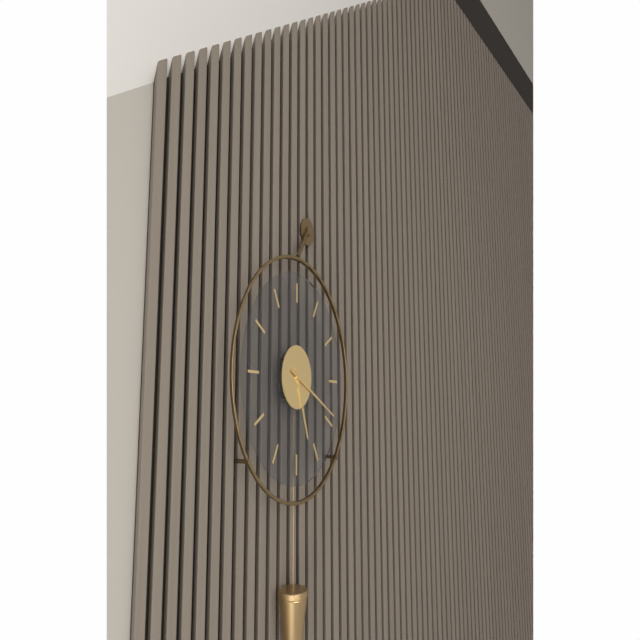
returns 5,19
